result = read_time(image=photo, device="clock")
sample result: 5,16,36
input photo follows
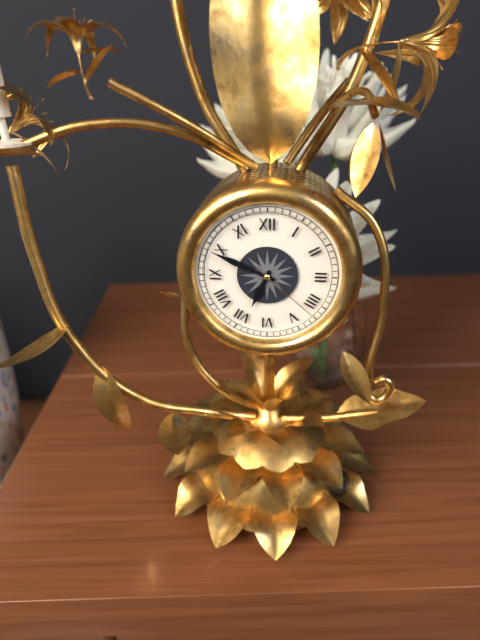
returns 6,49,22
